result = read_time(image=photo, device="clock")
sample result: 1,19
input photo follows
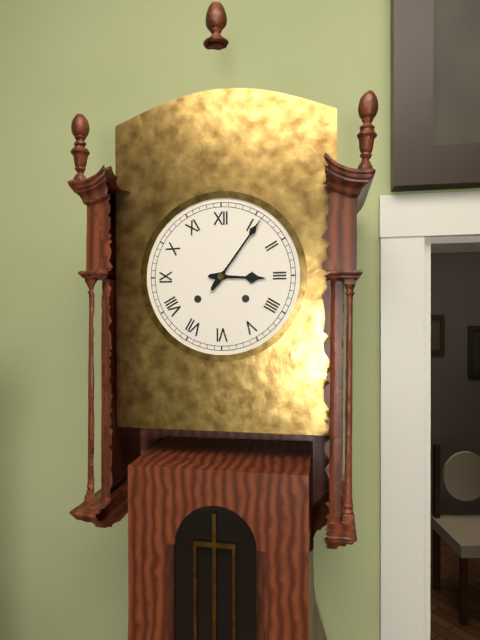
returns 3,06
